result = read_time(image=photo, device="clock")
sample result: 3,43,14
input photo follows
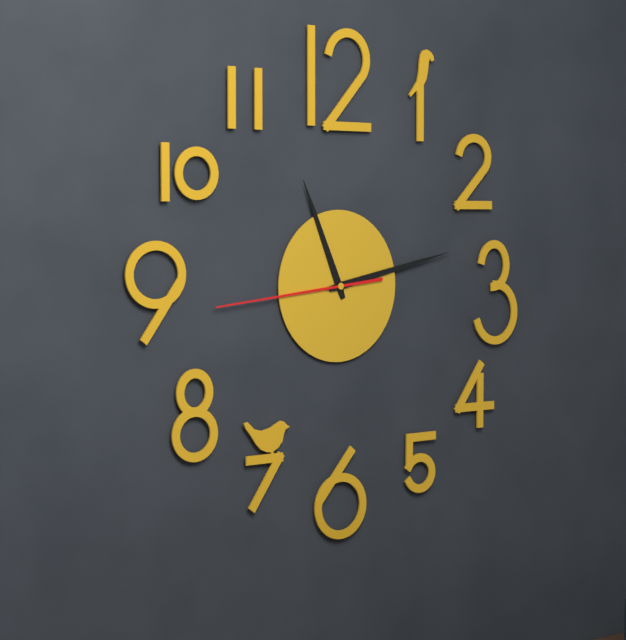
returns 11,13,44
